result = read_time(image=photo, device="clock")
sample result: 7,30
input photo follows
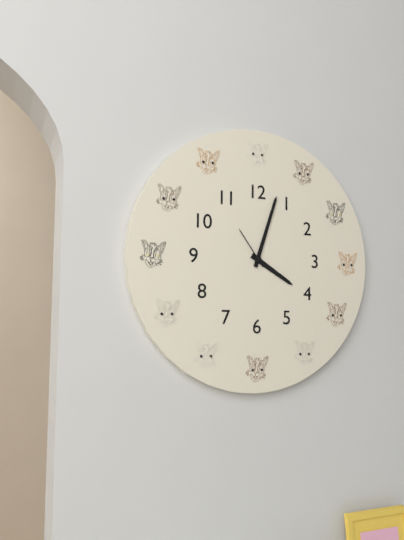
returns 4,03
